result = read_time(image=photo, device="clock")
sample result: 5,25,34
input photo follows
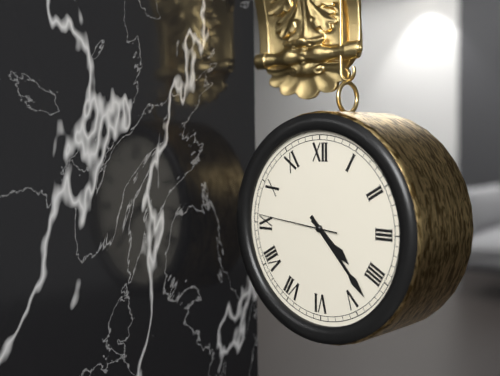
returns 4,23,46
